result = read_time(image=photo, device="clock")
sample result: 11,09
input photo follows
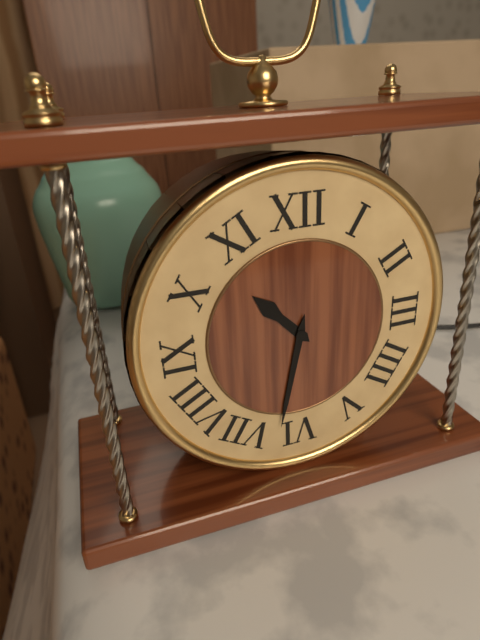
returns 10,32
